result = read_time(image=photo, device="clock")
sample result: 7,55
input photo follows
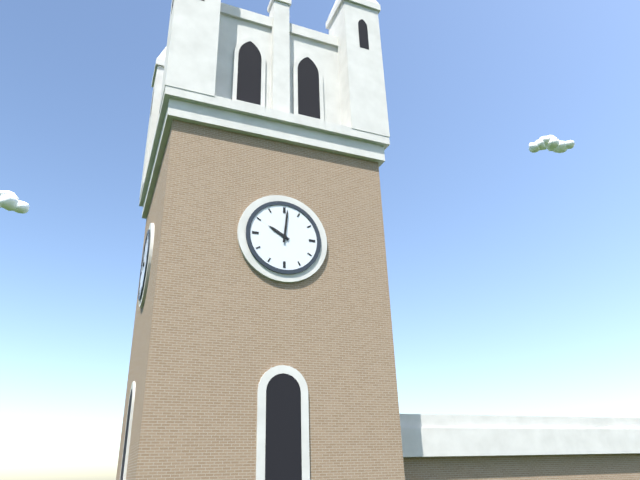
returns 10,01
